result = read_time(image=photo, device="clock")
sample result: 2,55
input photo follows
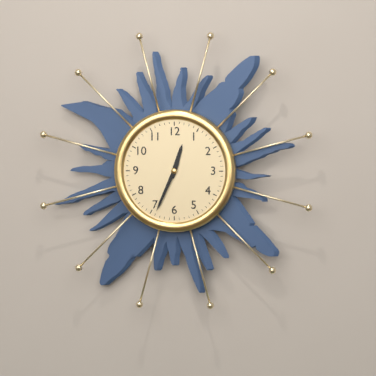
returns 12,34
